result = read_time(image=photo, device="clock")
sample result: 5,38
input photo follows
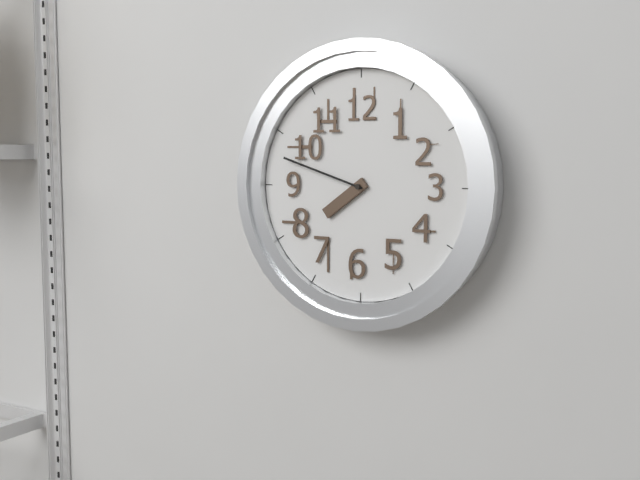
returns 7,48
